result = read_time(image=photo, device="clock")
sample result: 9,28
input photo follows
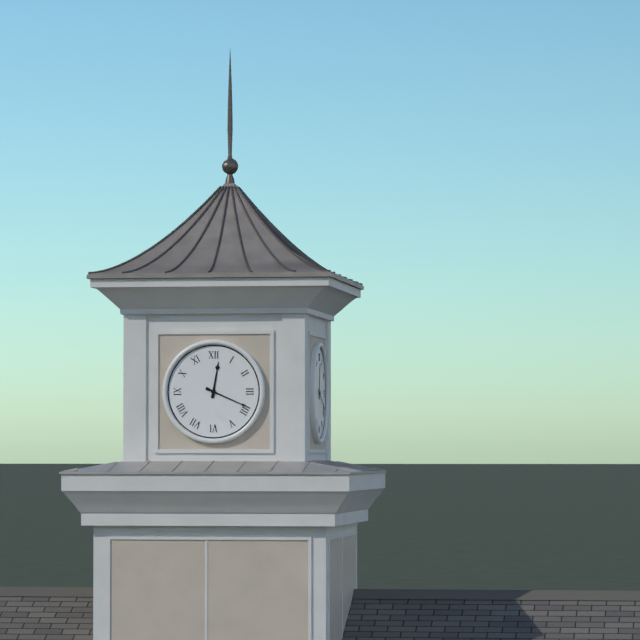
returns 12,19
